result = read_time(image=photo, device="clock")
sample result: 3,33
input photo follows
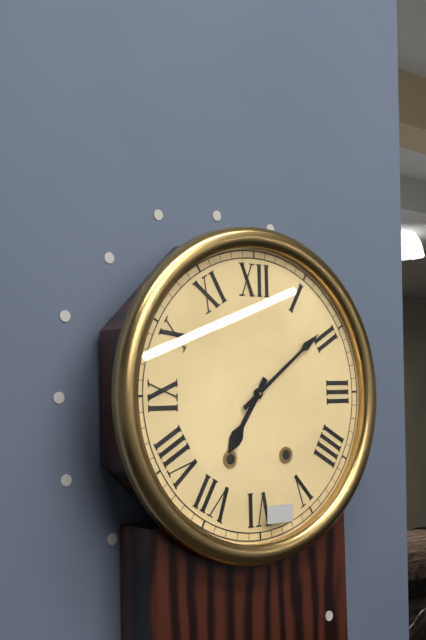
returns 7,09
